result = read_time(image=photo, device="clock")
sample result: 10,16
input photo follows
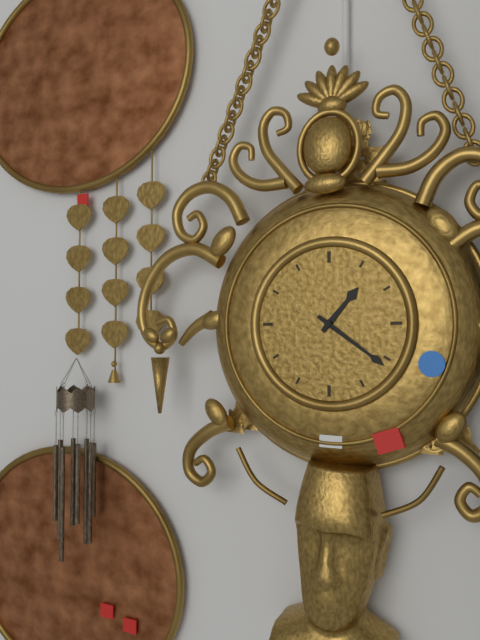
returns 1,21
